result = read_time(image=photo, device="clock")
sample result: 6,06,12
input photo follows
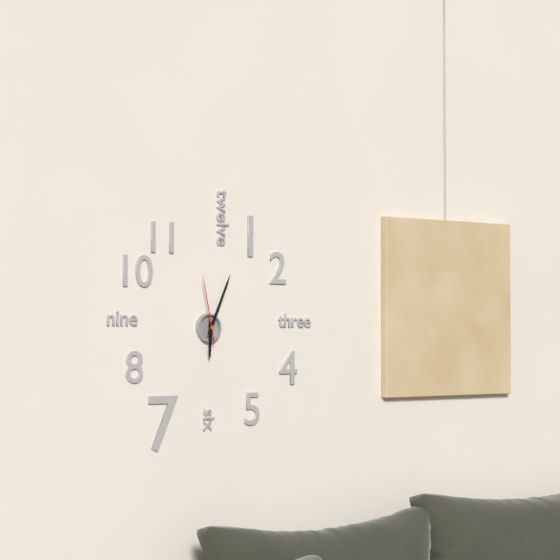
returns 6,04,58
